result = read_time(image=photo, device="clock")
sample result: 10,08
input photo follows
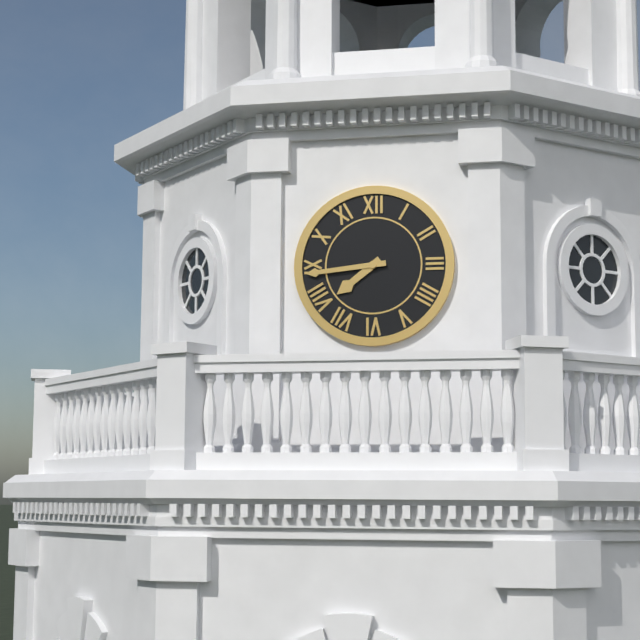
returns 7,44
